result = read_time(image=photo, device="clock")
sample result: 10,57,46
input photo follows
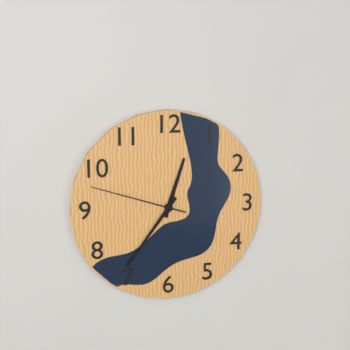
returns 12,36,48
